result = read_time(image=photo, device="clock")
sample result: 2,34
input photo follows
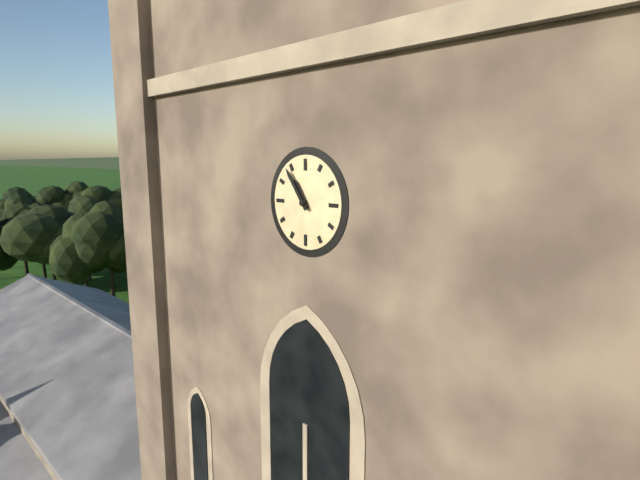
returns 10,54
